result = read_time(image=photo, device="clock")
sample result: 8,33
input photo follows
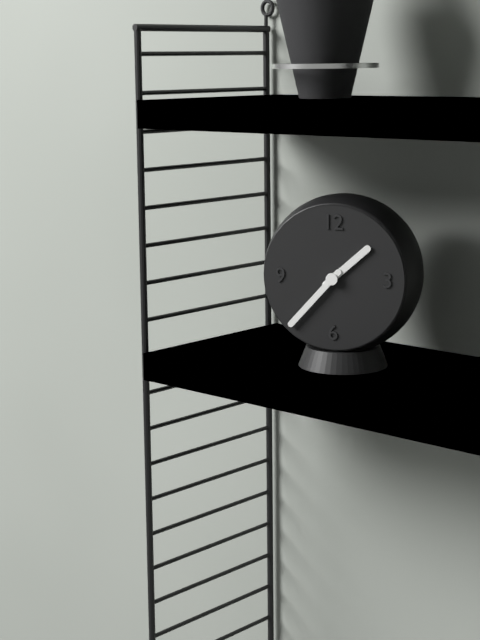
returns 1,37
